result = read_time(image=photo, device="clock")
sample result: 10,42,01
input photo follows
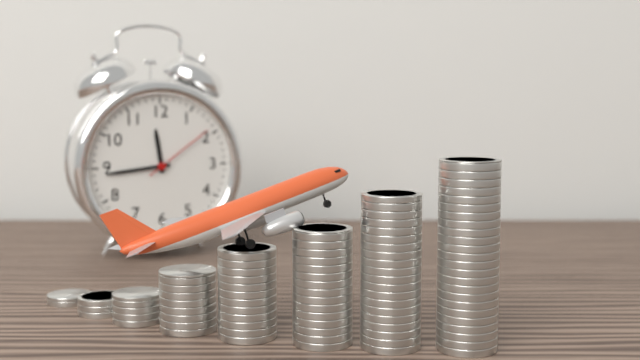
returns 11,44,09
